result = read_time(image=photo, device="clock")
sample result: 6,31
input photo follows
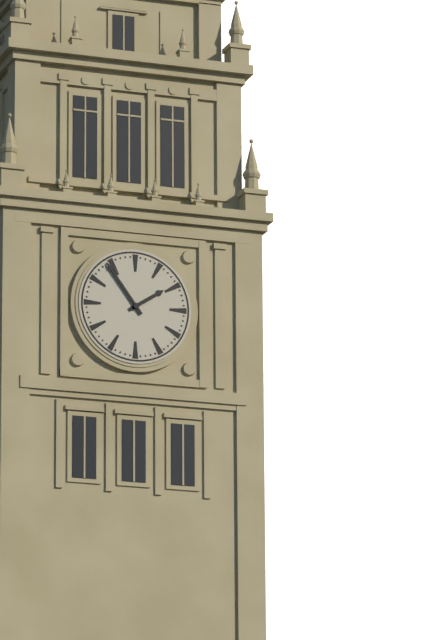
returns 1,54
